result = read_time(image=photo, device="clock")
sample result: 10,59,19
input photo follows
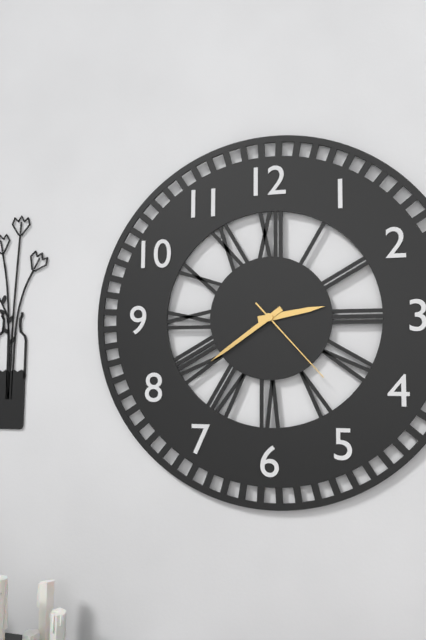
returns 2,39,23
